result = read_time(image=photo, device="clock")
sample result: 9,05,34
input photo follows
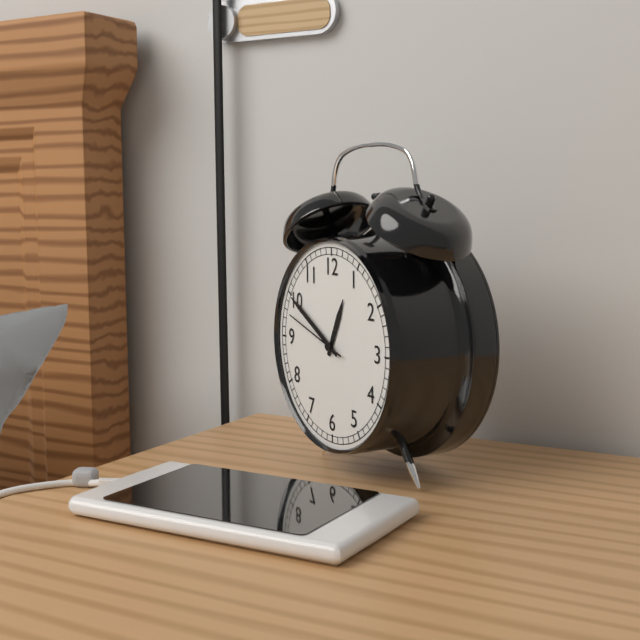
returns 12,50,48
